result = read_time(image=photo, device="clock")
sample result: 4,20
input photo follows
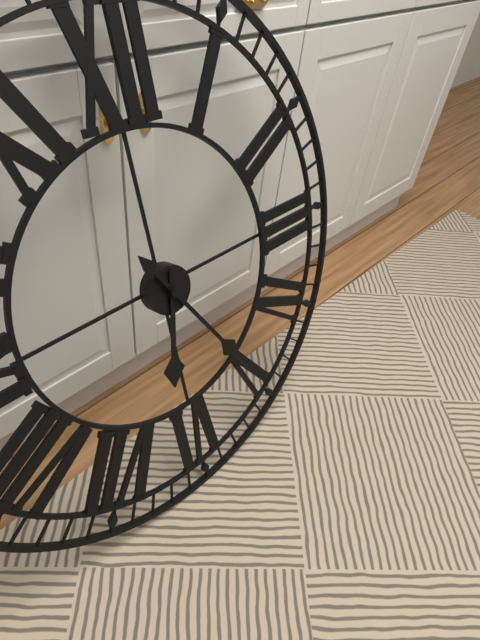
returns 6,25
